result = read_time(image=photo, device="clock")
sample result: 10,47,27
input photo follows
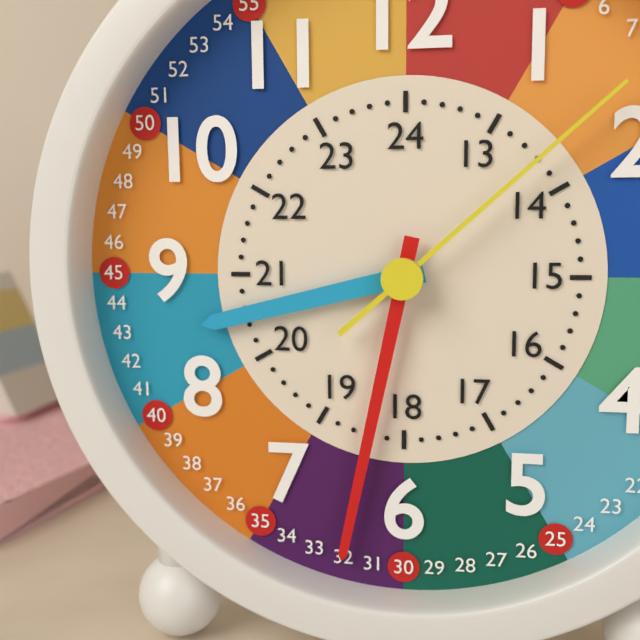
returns 8,32,08
